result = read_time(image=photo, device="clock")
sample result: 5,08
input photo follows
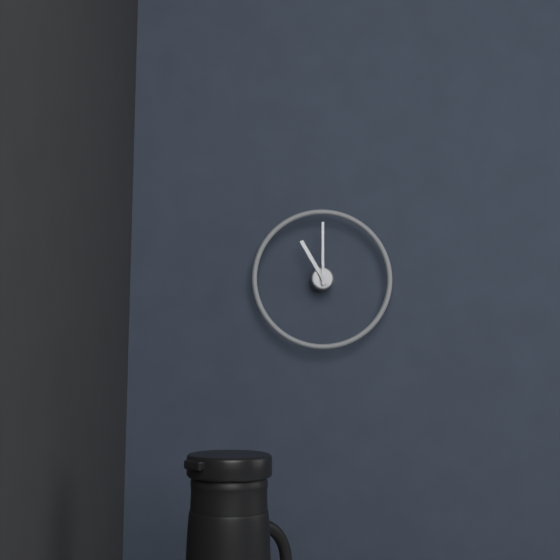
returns 11,00
